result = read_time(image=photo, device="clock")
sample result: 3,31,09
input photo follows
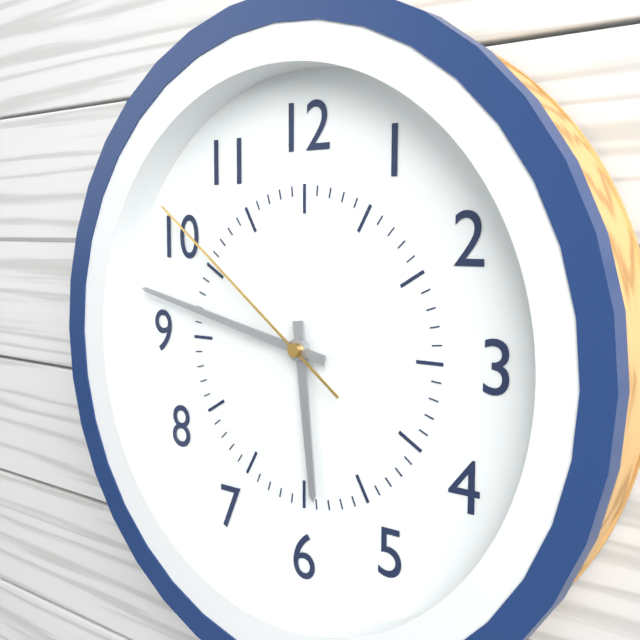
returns 5,47,51
